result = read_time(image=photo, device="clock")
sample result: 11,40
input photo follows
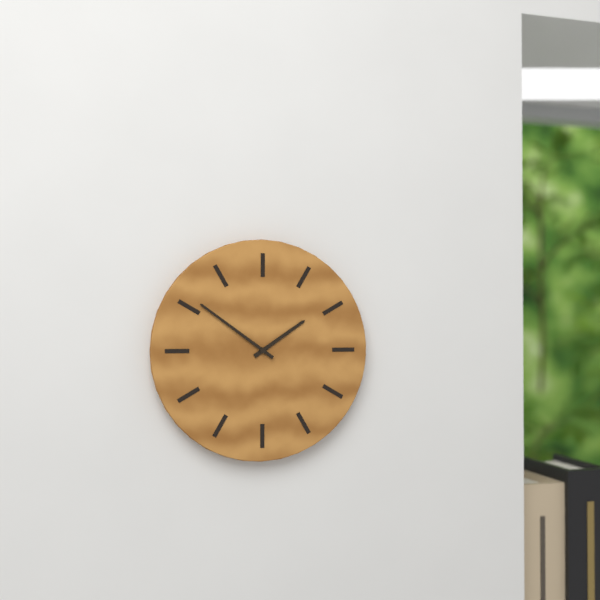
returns 1,51
